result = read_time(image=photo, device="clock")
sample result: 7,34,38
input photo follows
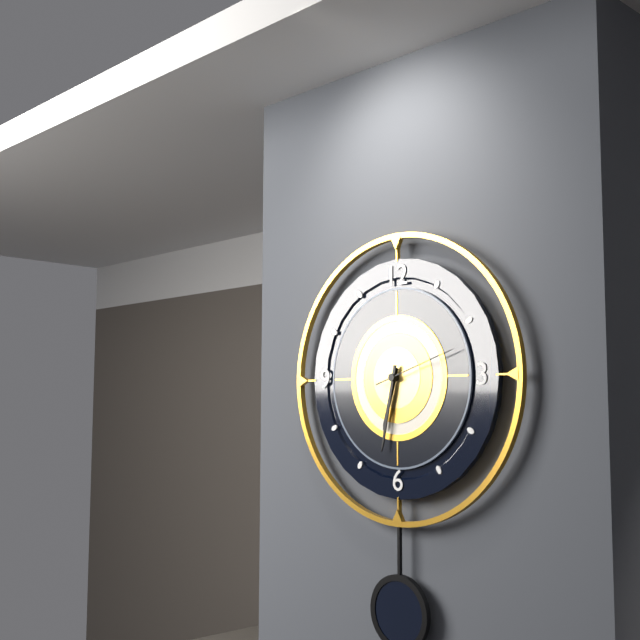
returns 6,32,12
